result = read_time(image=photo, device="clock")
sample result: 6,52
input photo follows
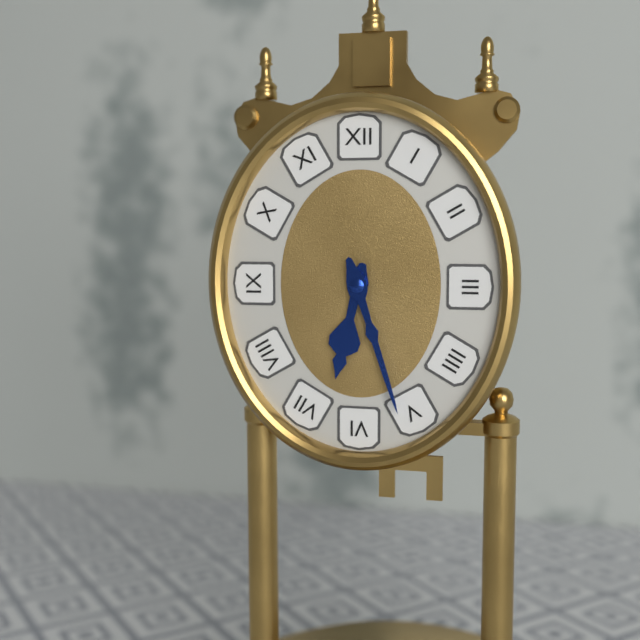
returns 6,27
